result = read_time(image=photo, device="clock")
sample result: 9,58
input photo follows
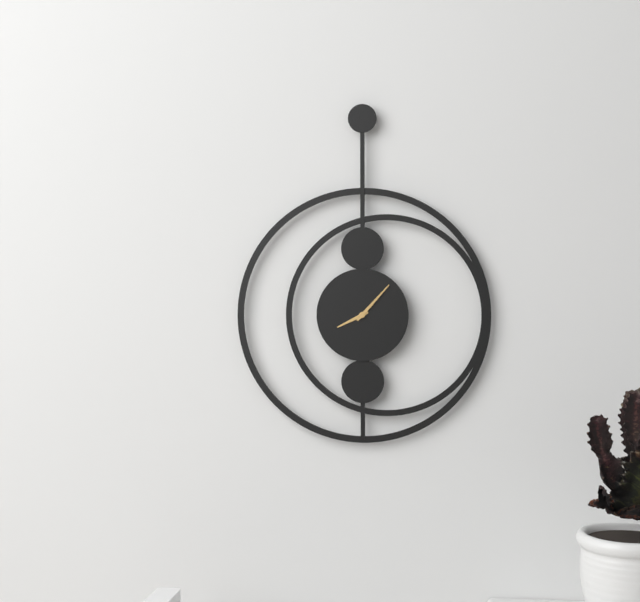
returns 8,07
